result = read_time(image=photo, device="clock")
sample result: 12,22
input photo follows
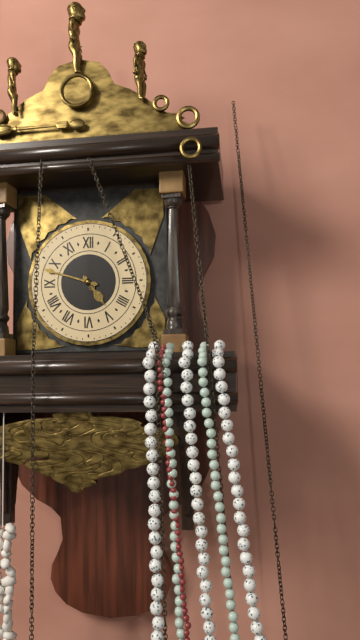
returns 4,48
